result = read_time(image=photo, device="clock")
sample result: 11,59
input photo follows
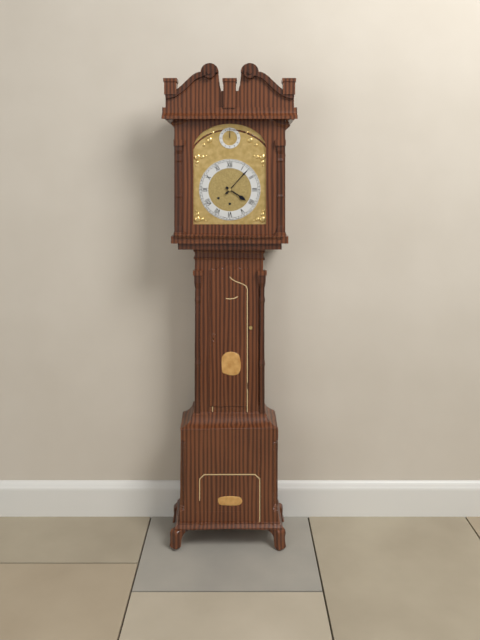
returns 4,07
